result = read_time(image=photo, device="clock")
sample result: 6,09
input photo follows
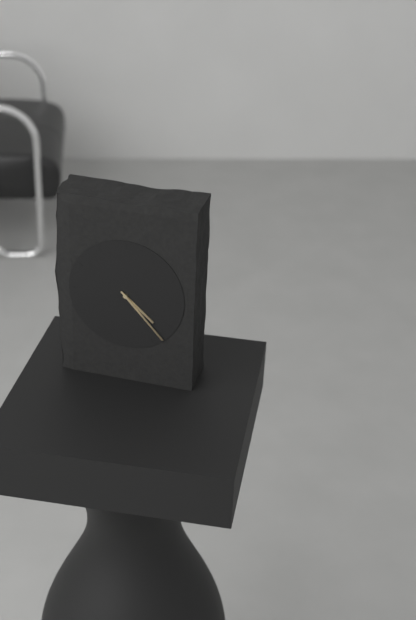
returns 4,23
